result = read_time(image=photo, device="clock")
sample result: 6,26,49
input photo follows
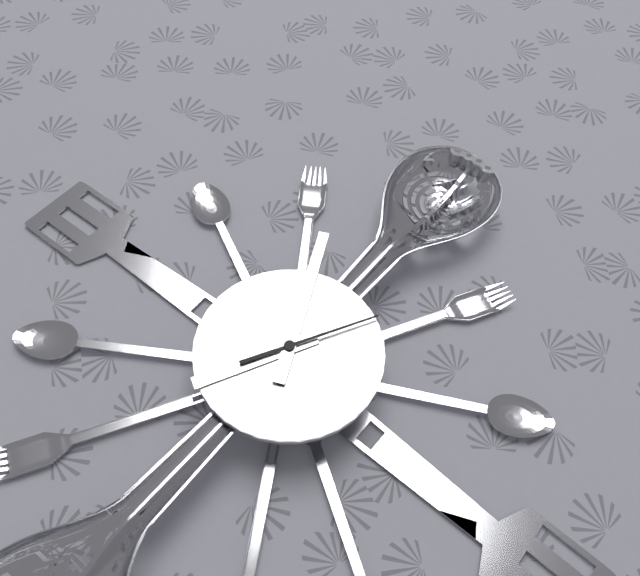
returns 6,56,05
